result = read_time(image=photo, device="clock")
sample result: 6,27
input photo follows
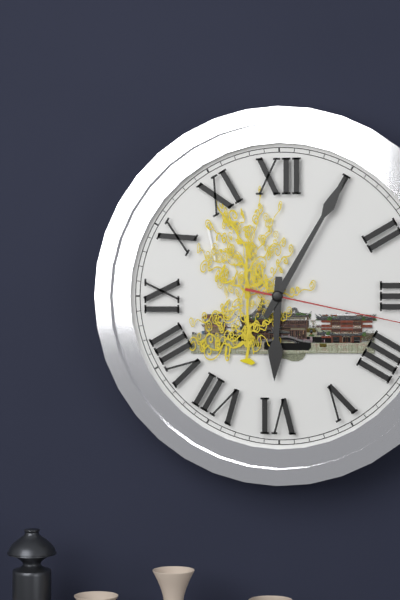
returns 6,05
